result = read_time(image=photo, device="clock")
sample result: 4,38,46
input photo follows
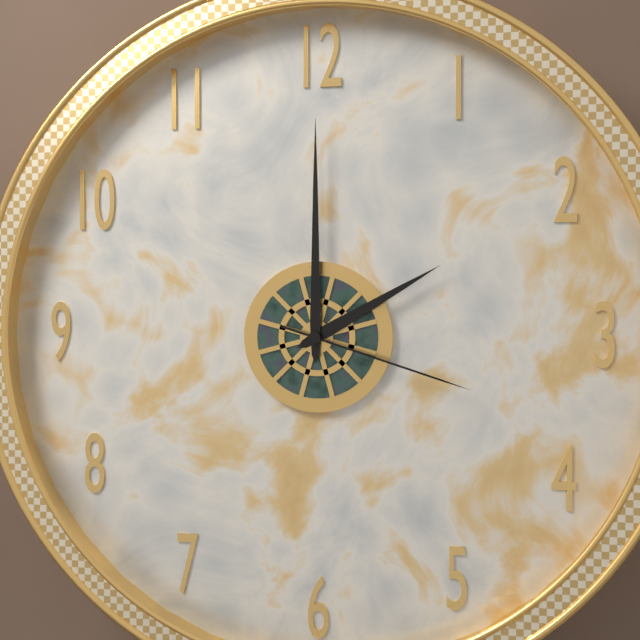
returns 2,00,18
